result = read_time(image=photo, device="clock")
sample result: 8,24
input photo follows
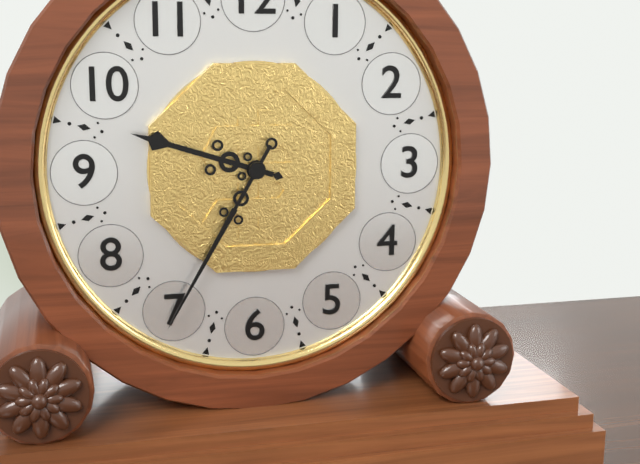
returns 9,35
